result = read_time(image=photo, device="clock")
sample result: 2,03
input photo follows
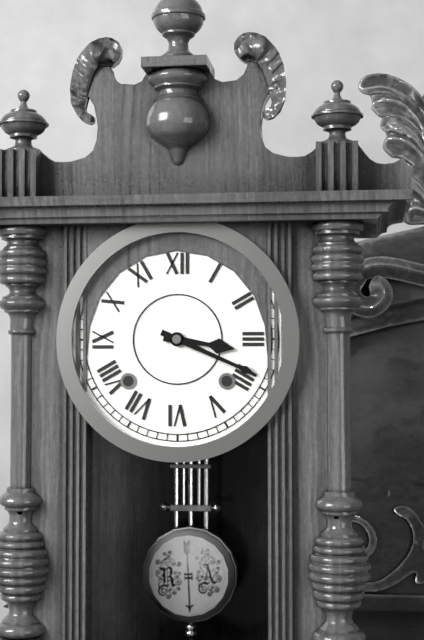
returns 3,19
